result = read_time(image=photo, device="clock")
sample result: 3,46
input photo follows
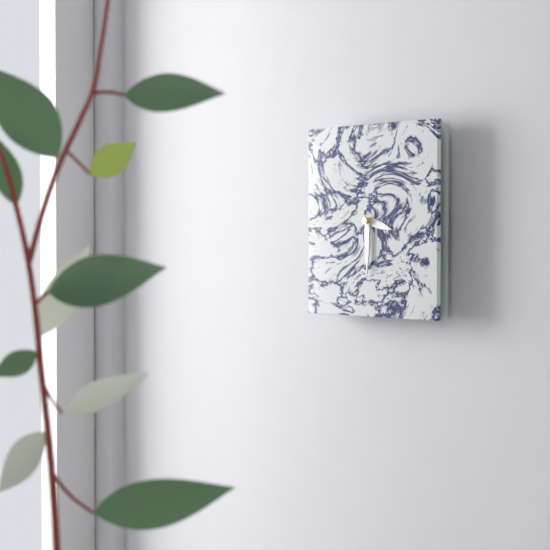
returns 3,30
